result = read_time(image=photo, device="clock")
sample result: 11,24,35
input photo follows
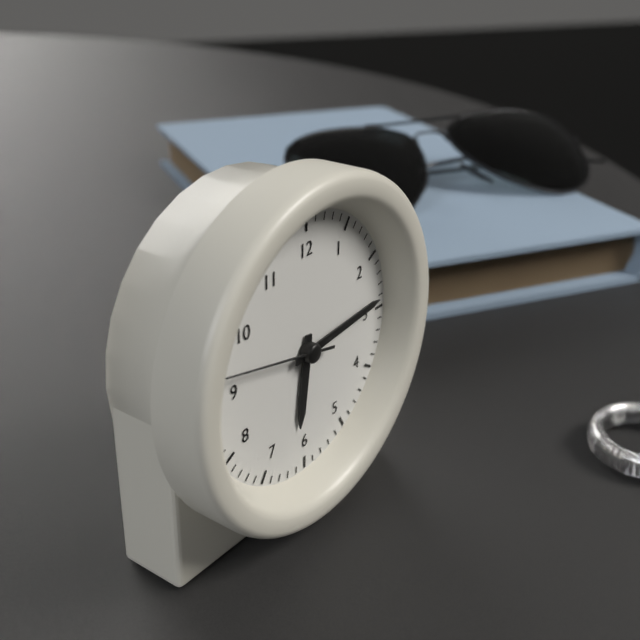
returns 6,14,47
